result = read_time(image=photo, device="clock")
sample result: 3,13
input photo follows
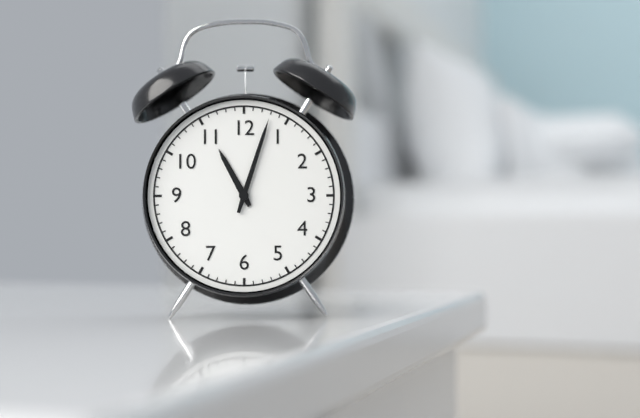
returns 11,03
